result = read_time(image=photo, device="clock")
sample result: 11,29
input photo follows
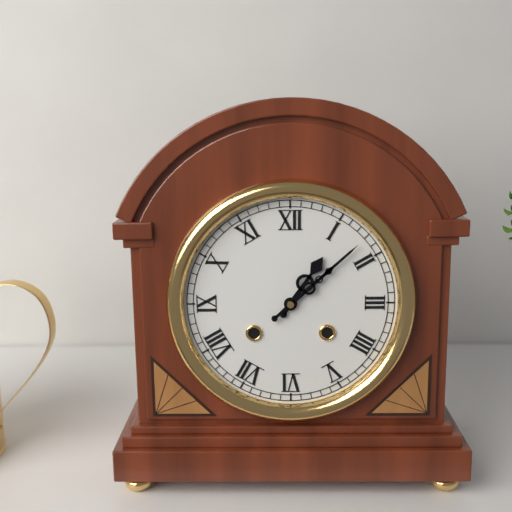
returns 1,08
